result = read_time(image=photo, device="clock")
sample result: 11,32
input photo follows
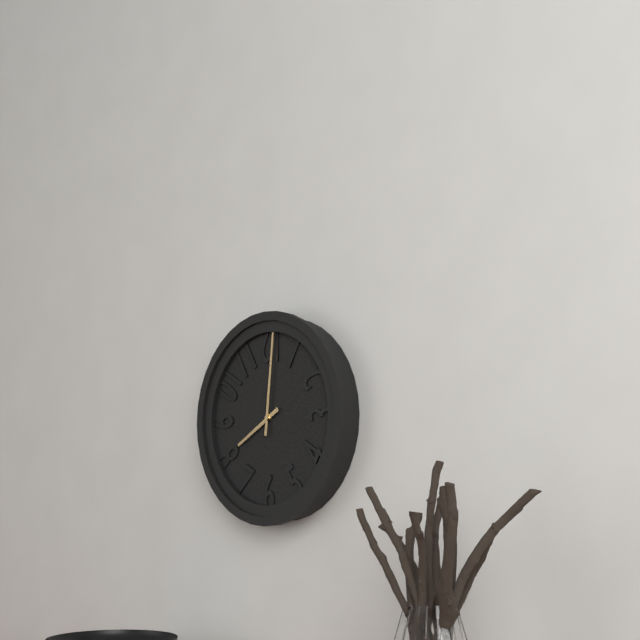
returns 8,01
